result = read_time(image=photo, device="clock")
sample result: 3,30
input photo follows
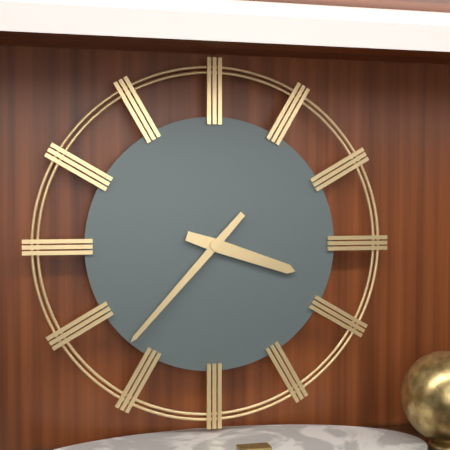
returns 3,37
